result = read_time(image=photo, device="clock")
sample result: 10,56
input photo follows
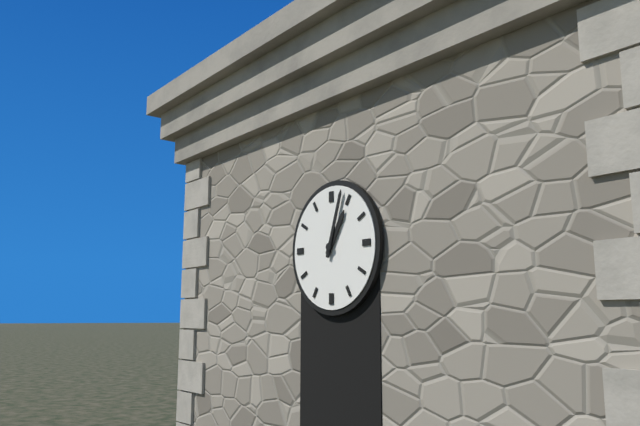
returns 1,03
